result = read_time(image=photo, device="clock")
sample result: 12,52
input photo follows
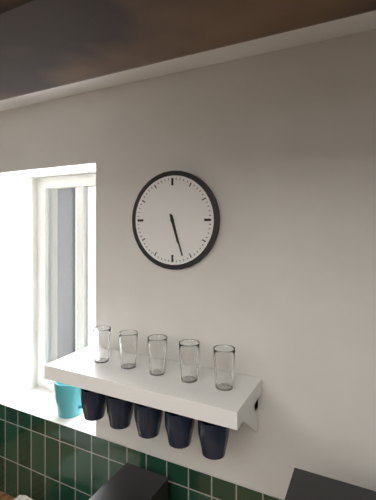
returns 5,27
